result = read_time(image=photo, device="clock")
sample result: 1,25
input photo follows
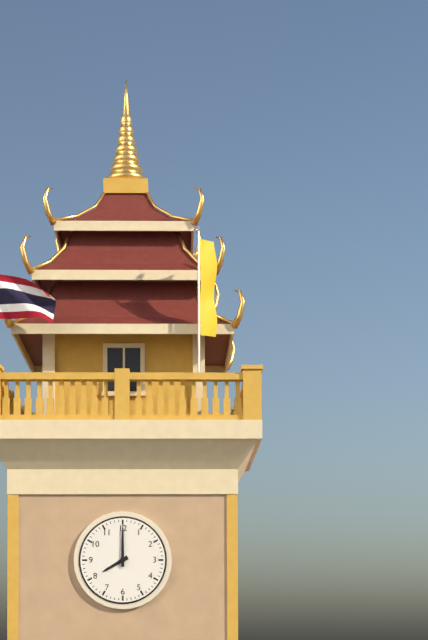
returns 8,00
